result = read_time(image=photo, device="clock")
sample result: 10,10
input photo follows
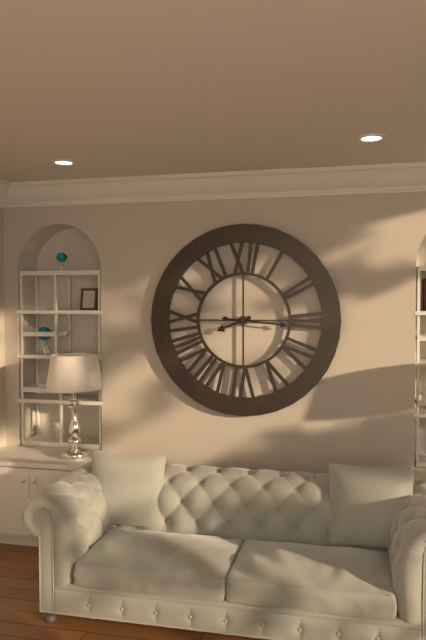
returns 8,16
